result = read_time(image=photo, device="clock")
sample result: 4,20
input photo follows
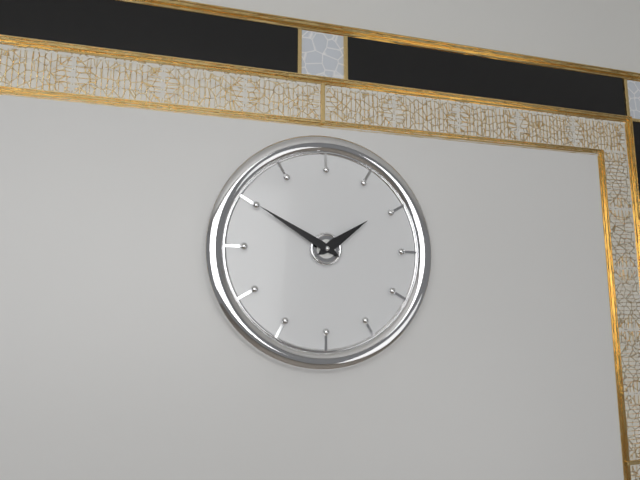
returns 1,50
